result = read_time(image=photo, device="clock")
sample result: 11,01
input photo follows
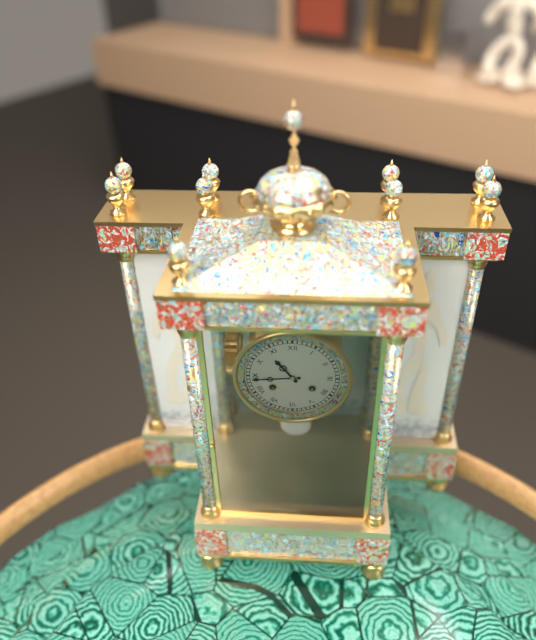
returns 10,44
